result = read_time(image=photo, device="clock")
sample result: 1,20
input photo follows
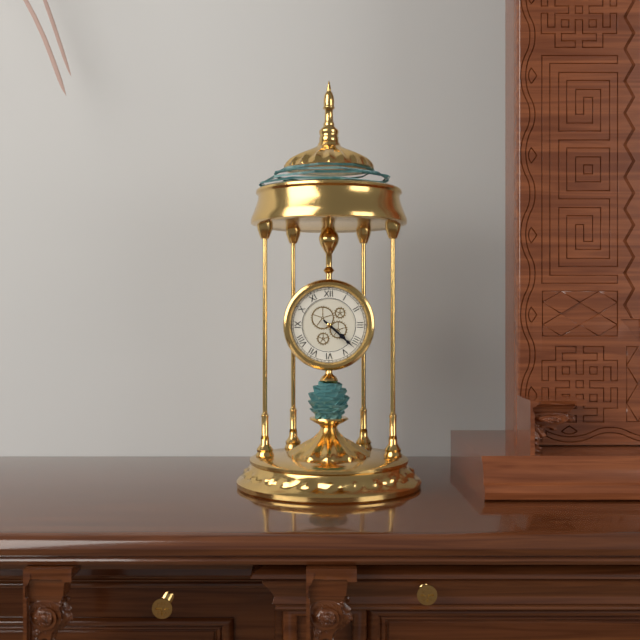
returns 4,22
